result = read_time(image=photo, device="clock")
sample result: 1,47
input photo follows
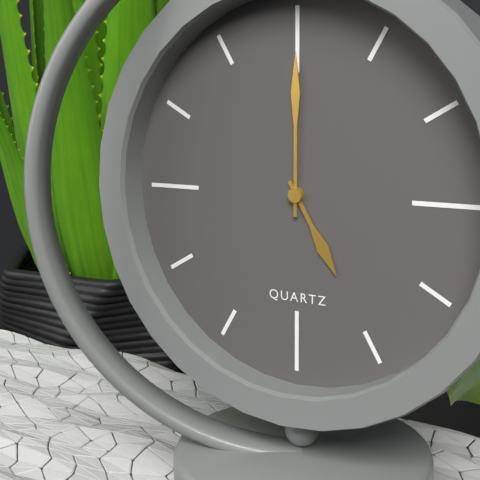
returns 5,00
